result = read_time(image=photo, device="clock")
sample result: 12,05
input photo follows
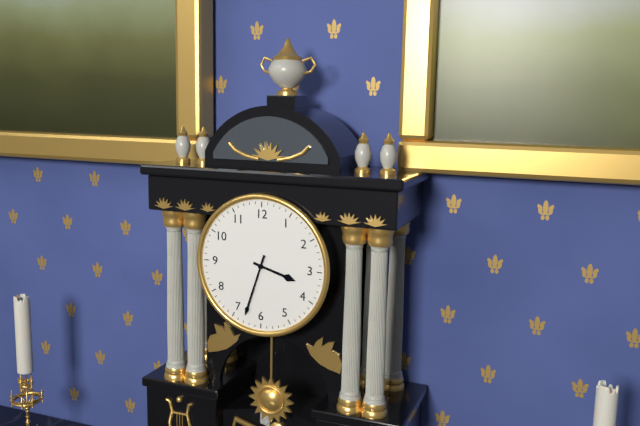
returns 3,33
